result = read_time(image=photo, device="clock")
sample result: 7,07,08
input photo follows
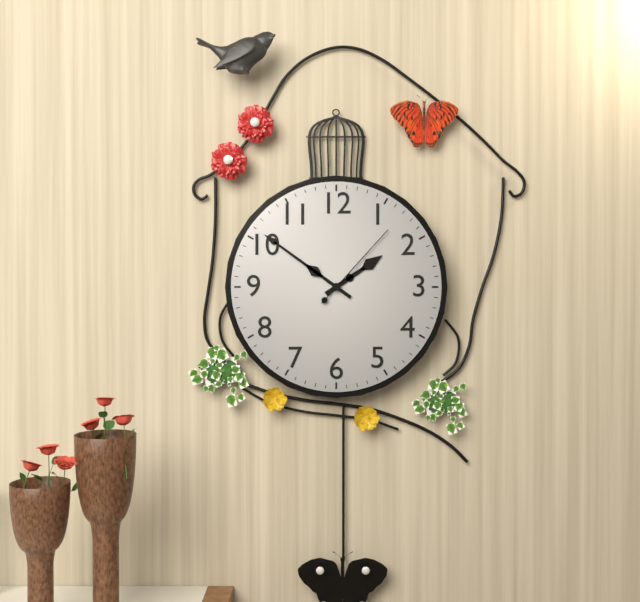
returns 1,51,07
